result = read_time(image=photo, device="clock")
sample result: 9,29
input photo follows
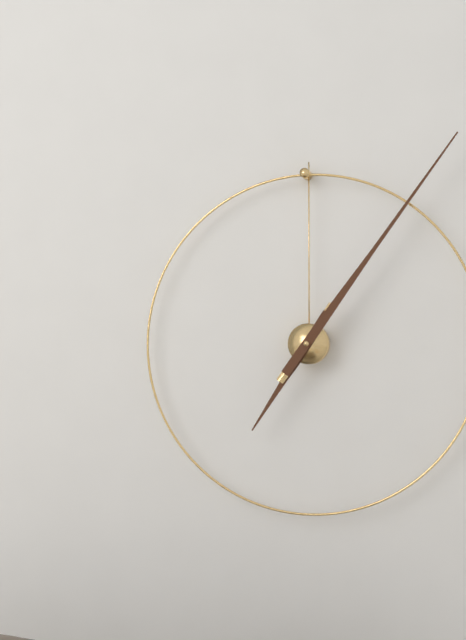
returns 7,06
